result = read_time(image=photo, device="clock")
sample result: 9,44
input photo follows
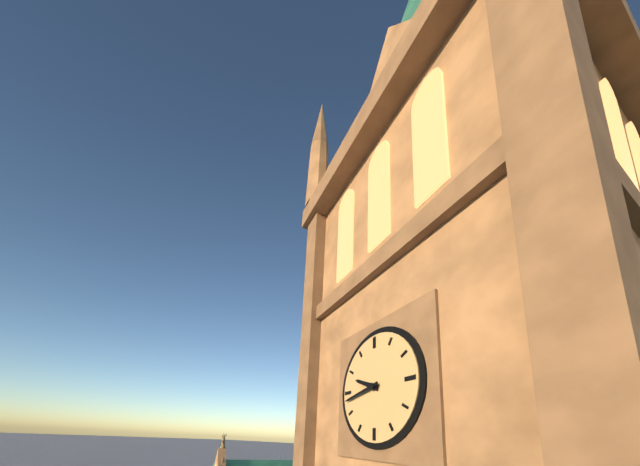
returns 9,43
